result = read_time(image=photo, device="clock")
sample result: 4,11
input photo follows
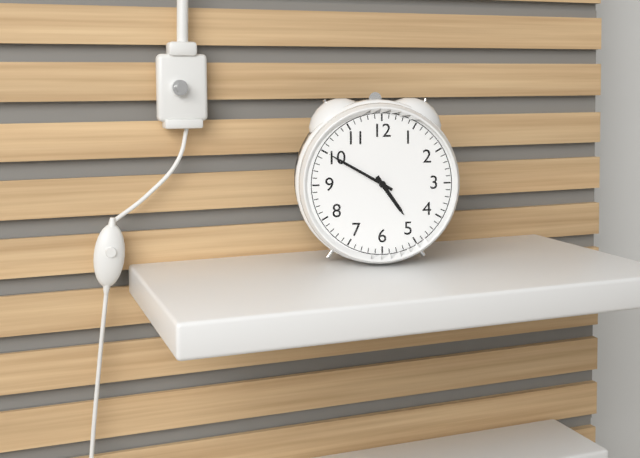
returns 4,50
